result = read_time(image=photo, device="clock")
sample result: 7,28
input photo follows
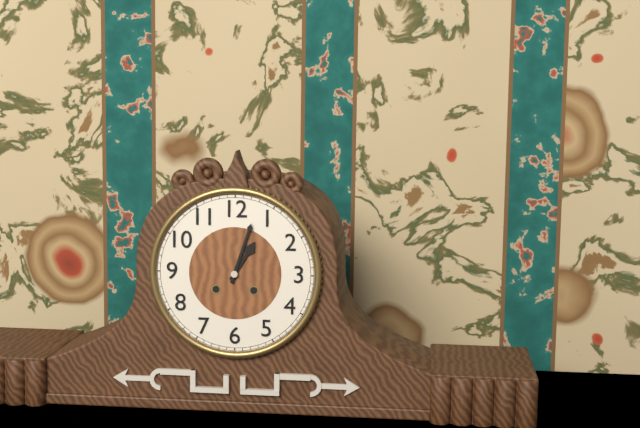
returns 1,03
